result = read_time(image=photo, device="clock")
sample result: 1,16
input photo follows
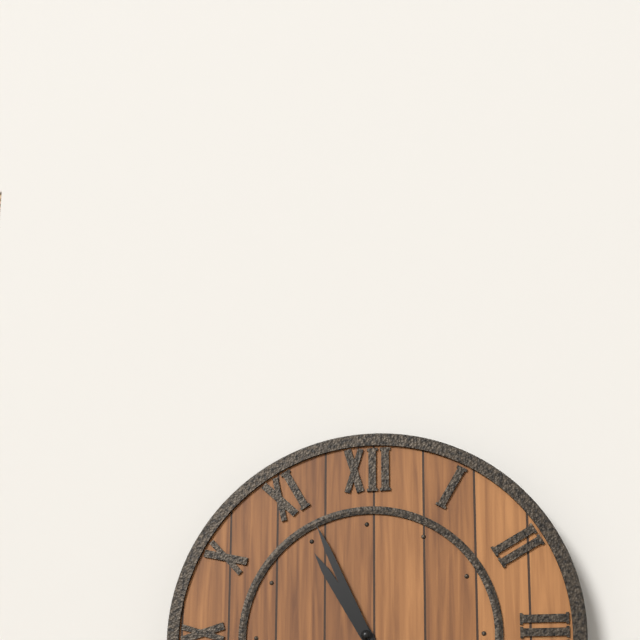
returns 10,56
